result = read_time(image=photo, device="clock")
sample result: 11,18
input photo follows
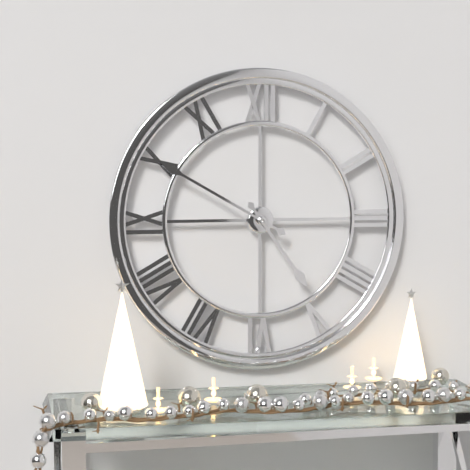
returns 4,50
